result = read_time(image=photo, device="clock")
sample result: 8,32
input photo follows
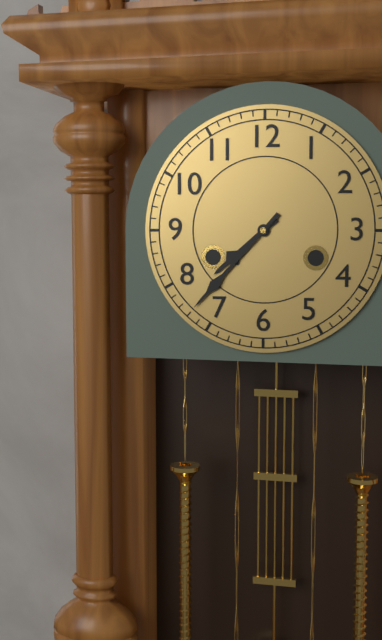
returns 7,37
